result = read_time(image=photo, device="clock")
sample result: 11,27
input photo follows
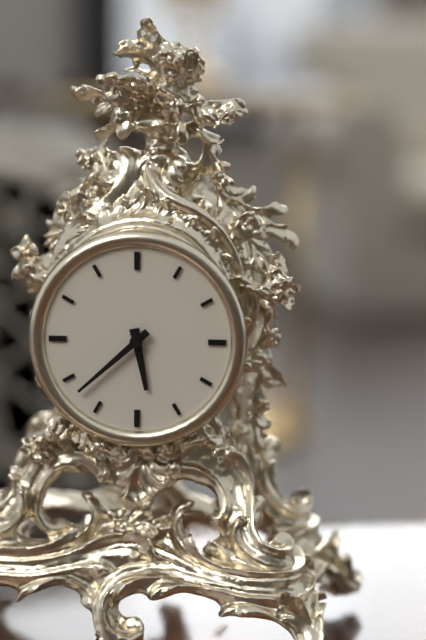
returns 5,38
